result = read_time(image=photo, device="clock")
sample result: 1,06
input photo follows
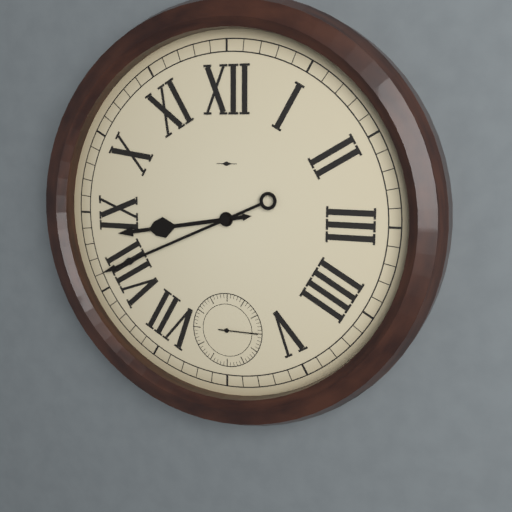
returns 8,41
